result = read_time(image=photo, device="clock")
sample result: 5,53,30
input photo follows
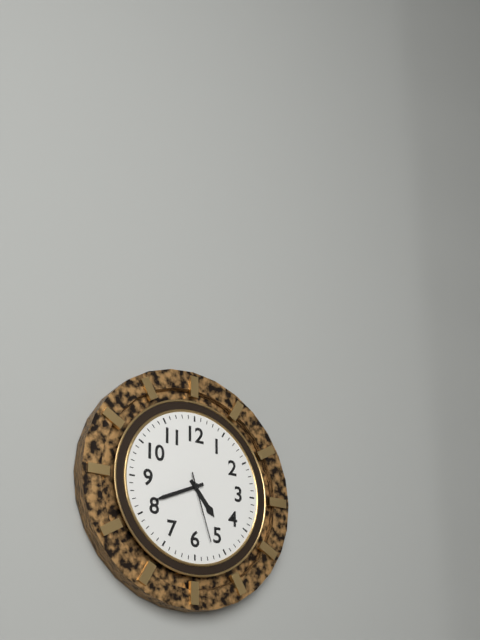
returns 4,41,27
